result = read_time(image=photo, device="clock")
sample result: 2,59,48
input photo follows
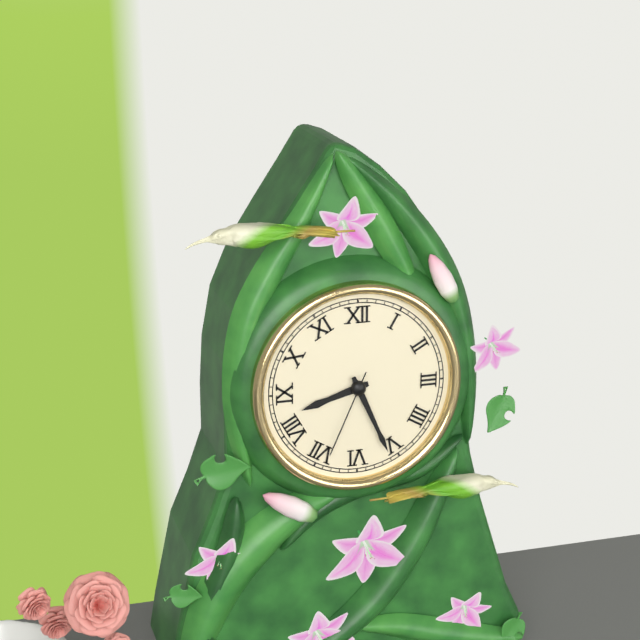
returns 8,26,34
